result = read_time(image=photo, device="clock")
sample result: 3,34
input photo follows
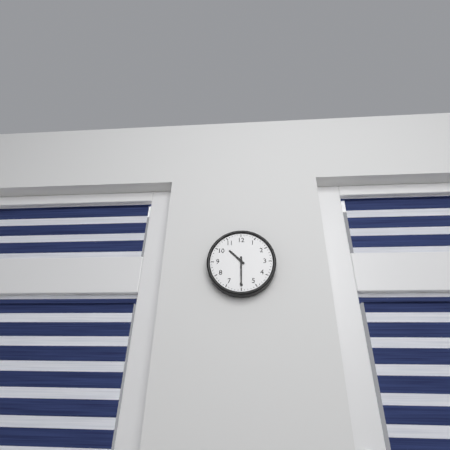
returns 10,30
